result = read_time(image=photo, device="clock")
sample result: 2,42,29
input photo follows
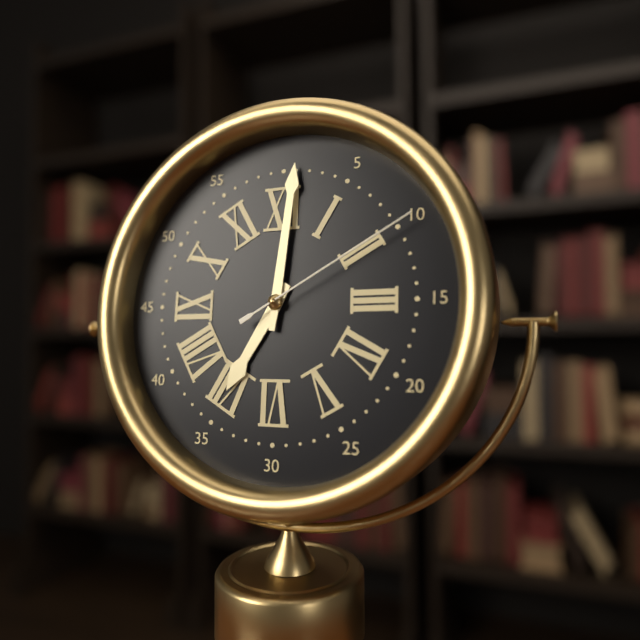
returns 7,01,10
